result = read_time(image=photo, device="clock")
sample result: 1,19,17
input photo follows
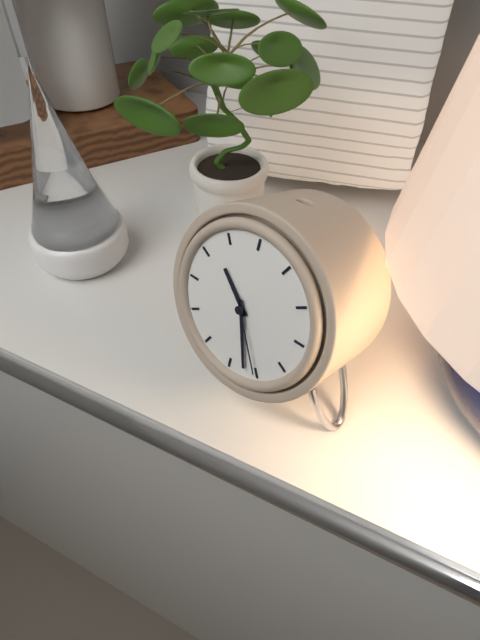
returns 10,27,25
